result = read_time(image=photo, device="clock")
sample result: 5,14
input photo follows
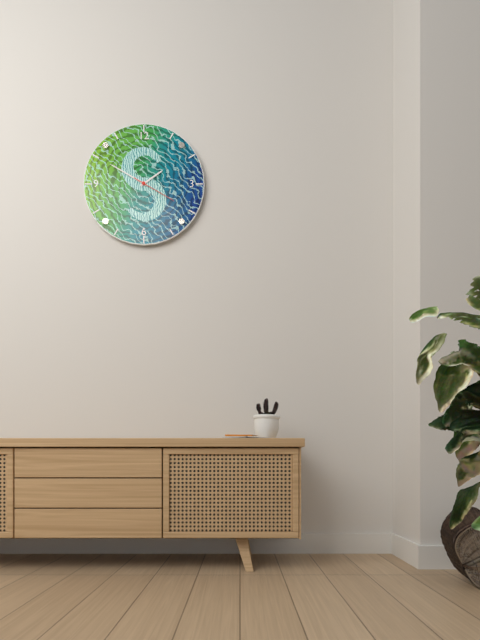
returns 1,50
